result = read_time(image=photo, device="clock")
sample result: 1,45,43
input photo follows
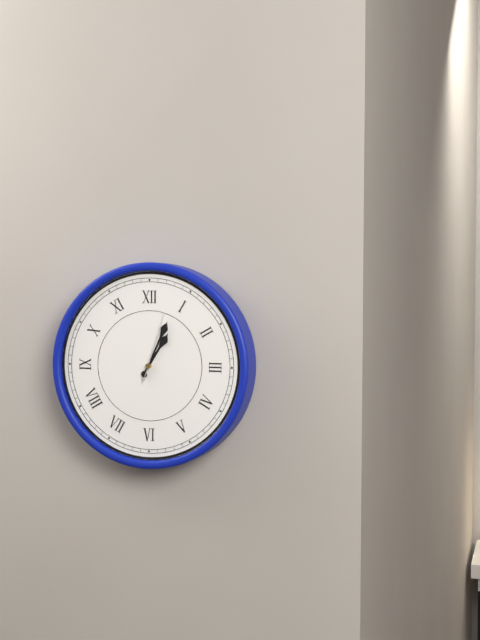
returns 1,04,03
